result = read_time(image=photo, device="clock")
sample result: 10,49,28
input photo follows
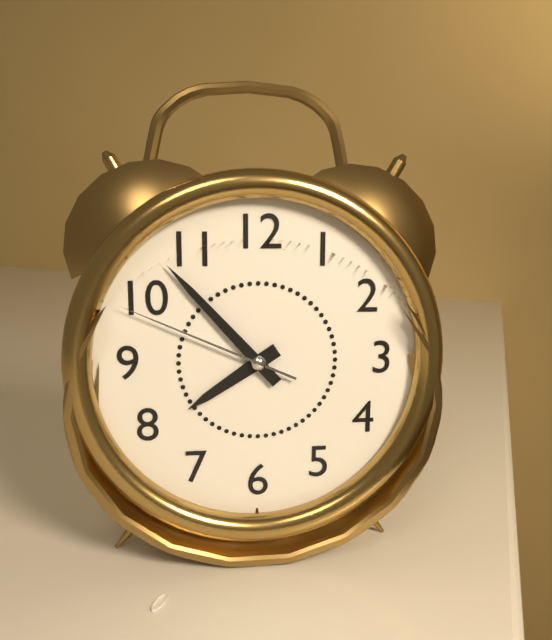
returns 7,53,49
